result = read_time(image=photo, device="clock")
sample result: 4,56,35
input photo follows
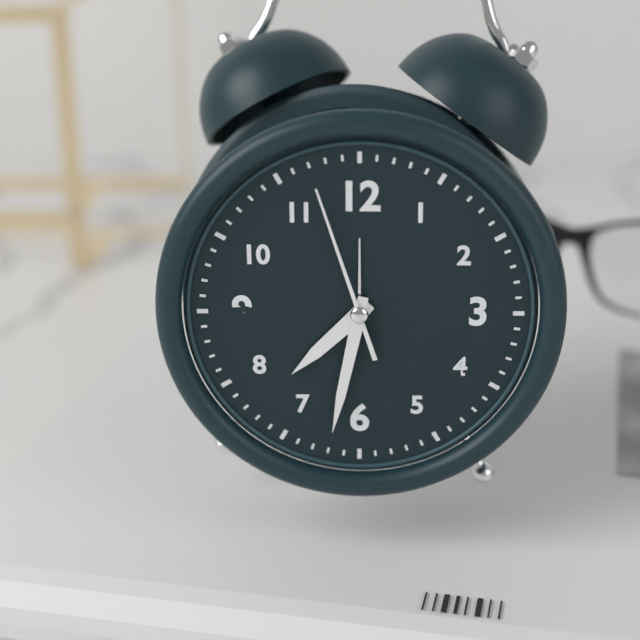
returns 7,32,57
